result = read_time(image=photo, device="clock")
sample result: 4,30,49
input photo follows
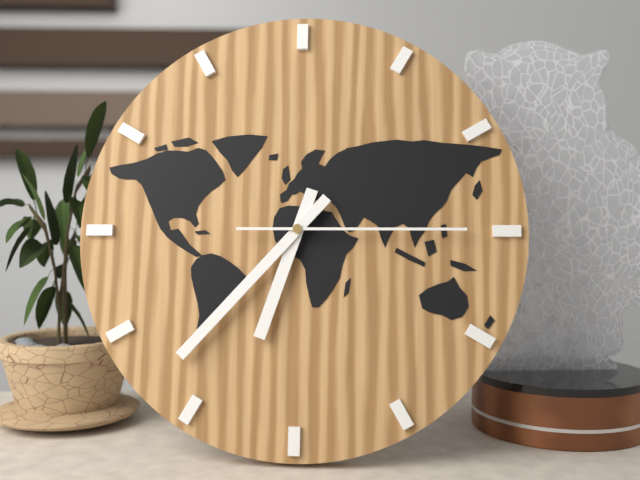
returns 6,37,15
